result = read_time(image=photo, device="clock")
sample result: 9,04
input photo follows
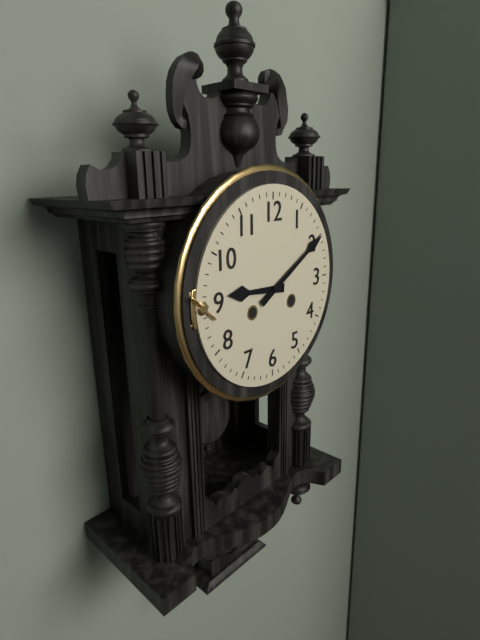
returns 9,10
